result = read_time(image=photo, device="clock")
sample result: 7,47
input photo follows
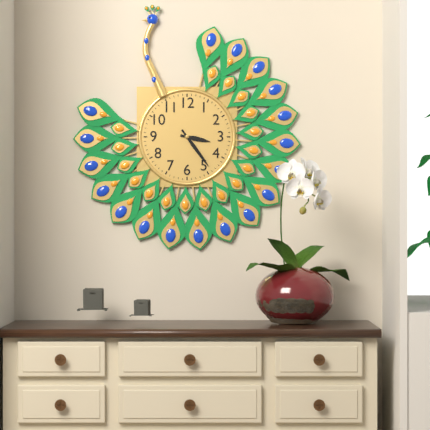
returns 3,24
